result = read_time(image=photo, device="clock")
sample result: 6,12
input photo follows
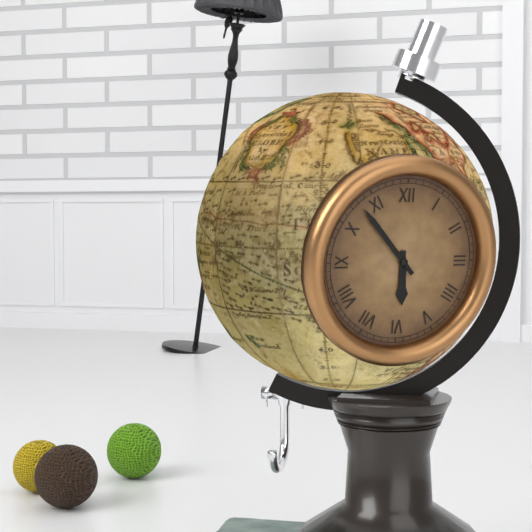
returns 5,53
